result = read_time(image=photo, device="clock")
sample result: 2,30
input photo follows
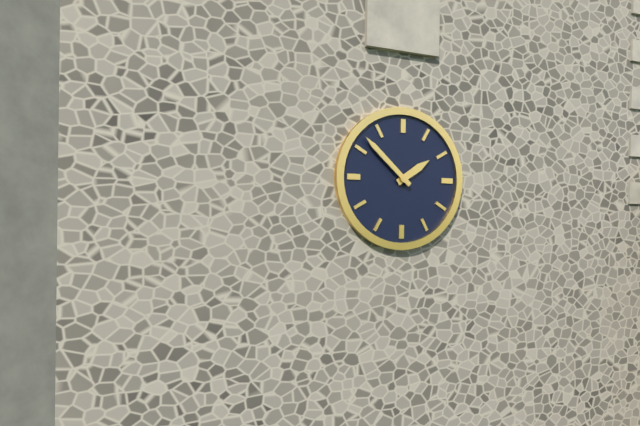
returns 1,52
